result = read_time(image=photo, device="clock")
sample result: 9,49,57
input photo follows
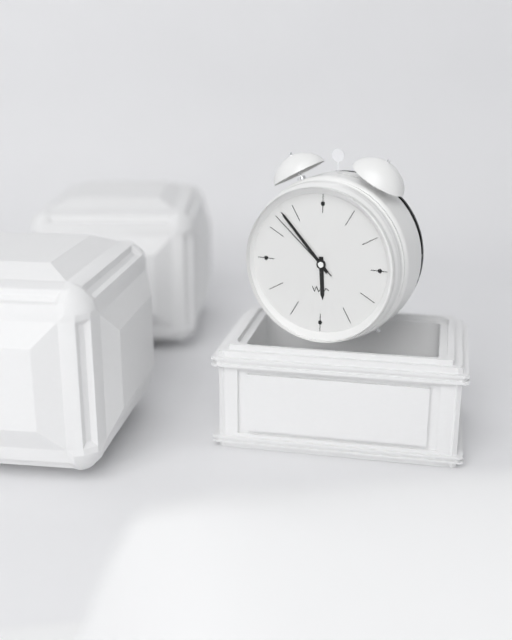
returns 5,53,52
